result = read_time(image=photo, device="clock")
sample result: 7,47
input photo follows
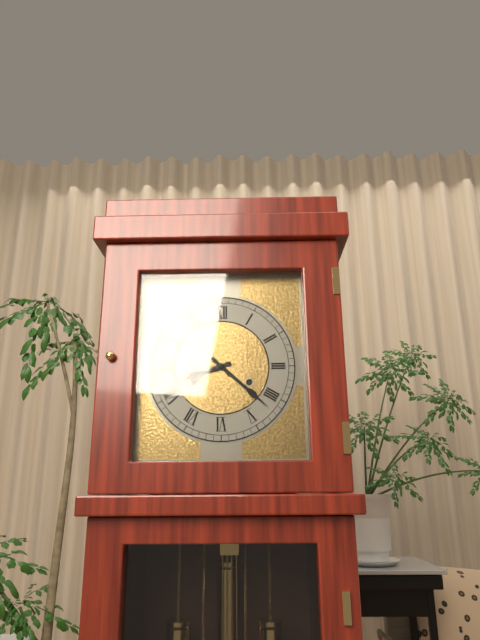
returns 8,22
